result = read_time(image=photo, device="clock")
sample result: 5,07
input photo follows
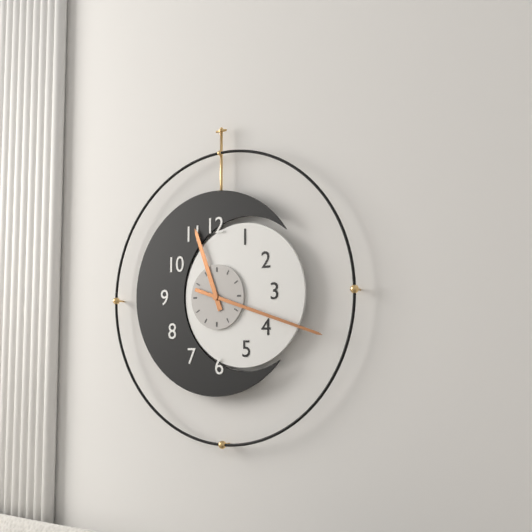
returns 11,18
